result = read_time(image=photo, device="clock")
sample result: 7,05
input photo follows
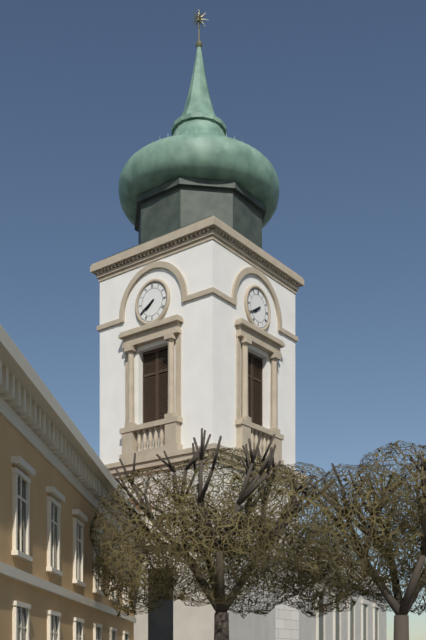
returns 7,40
